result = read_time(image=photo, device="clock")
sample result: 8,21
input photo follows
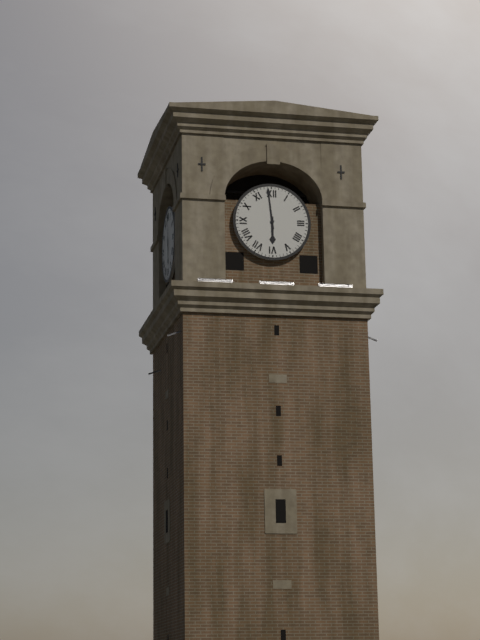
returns 5,59
